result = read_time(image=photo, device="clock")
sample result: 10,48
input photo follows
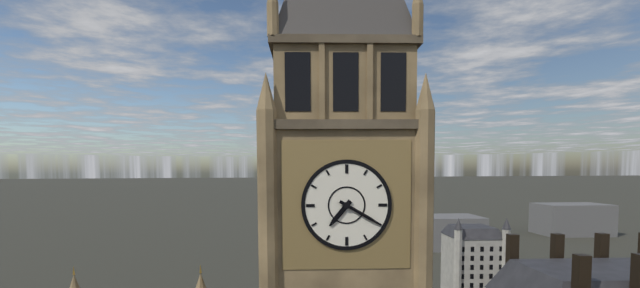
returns 7,20
